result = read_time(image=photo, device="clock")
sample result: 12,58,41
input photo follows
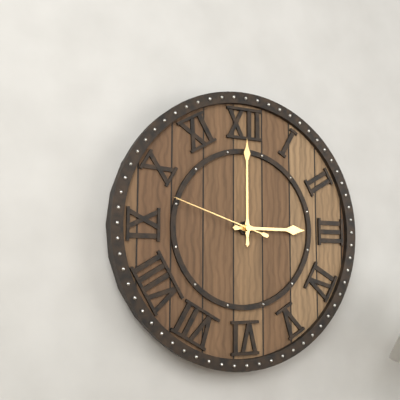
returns 3,00,48
